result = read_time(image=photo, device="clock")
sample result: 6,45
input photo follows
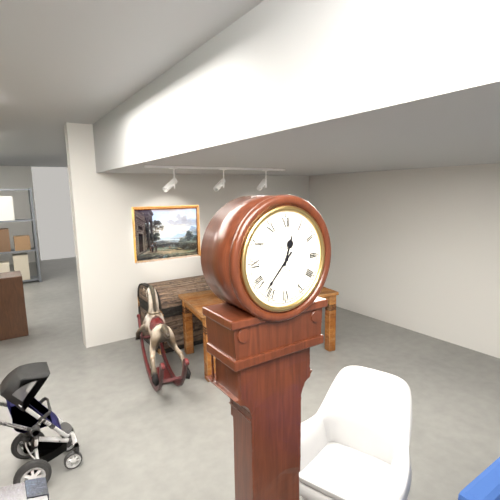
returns 12,37
